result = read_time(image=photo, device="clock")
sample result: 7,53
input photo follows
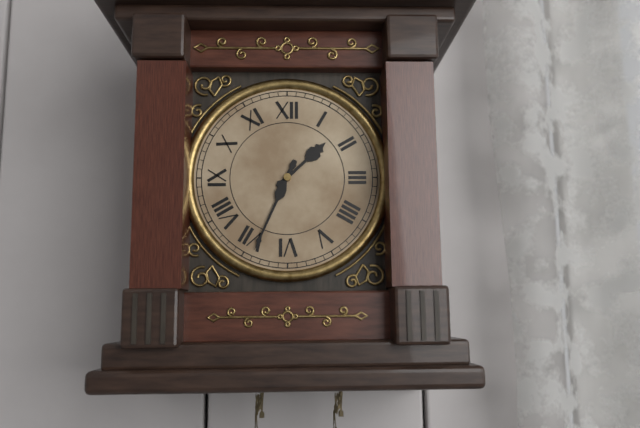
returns 1,34
